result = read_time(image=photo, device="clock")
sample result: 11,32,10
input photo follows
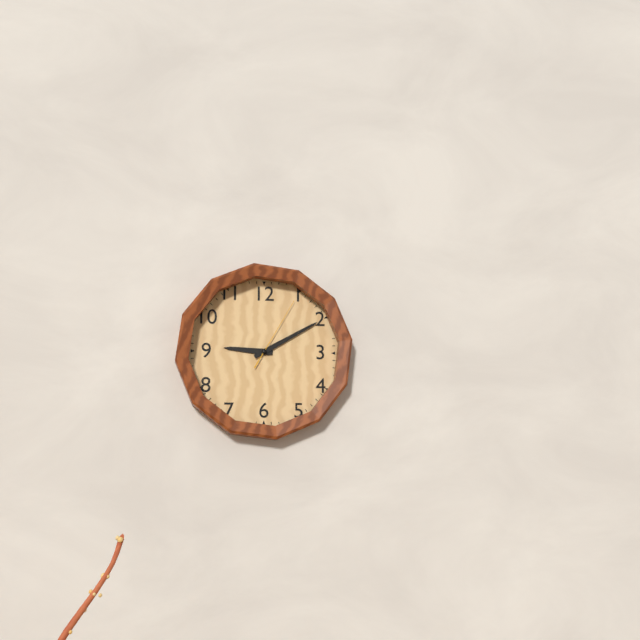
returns 9,10,05
